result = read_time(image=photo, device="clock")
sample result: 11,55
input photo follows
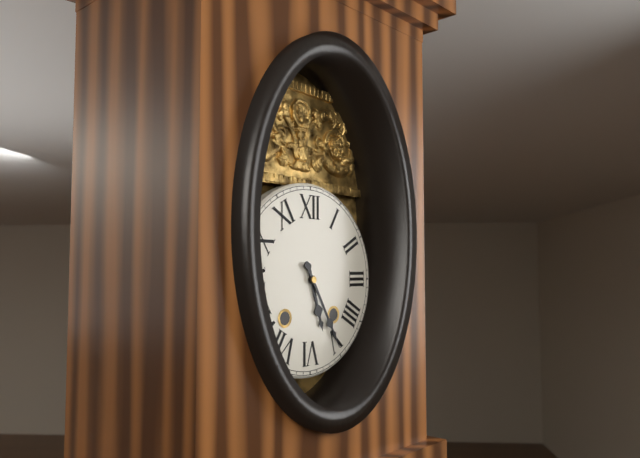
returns 5,25
